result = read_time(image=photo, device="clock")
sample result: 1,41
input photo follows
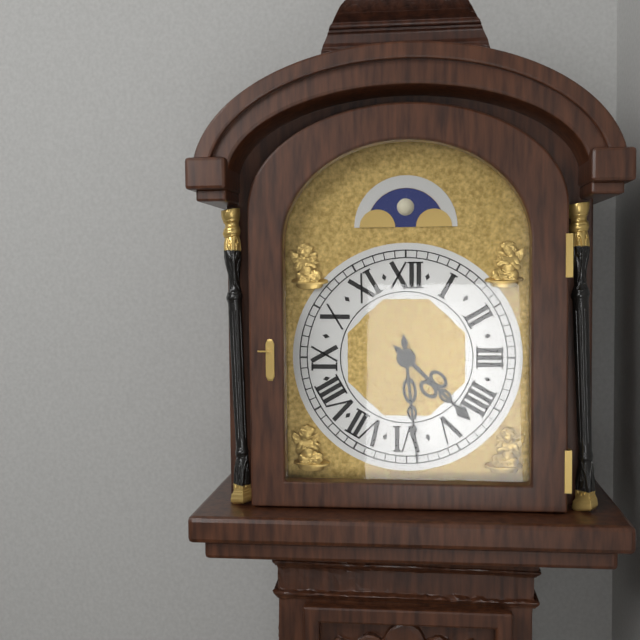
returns 4,29
